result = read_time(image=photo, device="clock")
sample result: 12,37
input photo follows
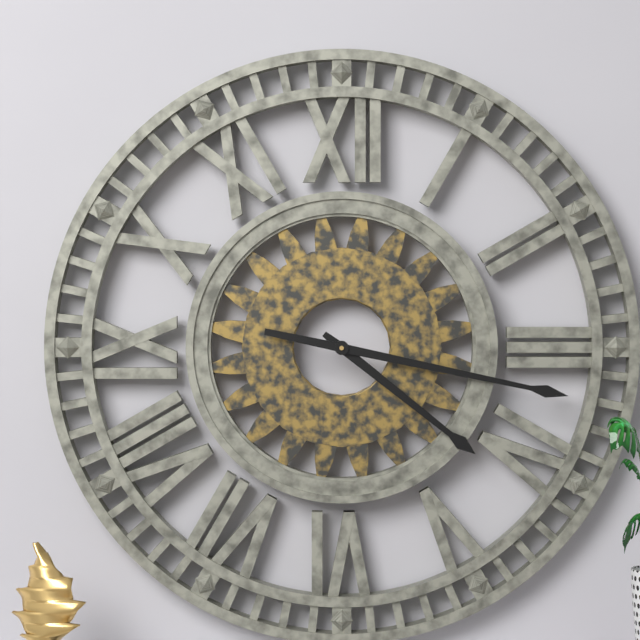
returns 4,17
